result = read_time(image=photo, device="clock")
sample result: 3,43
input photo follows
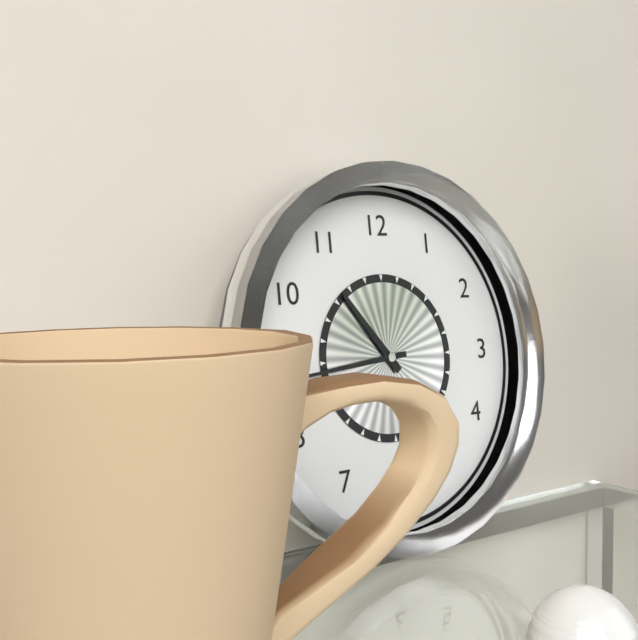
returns 10,44
